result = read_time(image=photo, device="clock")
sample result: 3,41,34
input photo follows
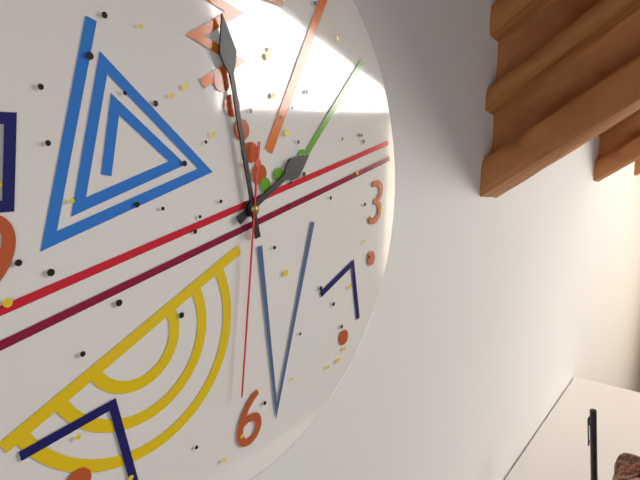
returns 1,58,31
